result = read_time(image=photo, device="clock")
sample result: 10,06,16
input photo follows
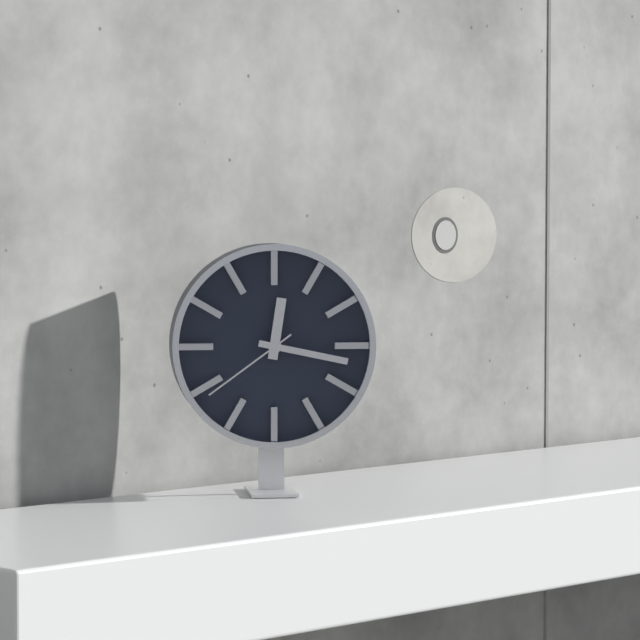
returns 12,17,39
